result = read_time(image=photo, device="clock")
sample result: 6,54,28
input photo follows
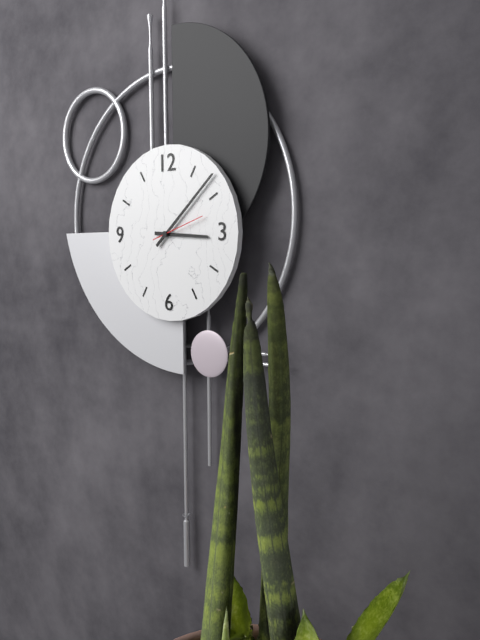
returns 3,08,12
